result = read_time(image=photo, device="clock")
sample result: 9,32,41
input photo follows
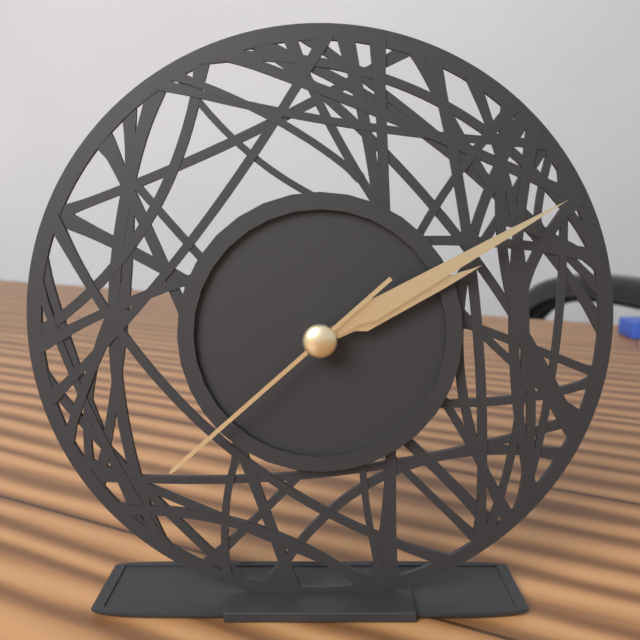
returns 2,10,38
